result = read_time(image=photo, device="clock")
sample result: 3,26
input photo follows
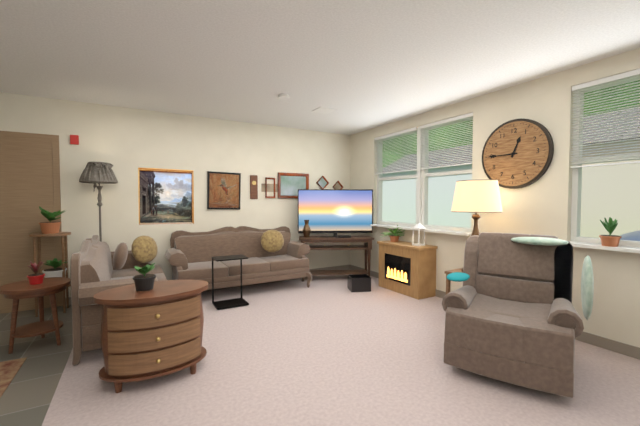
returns 12,45
